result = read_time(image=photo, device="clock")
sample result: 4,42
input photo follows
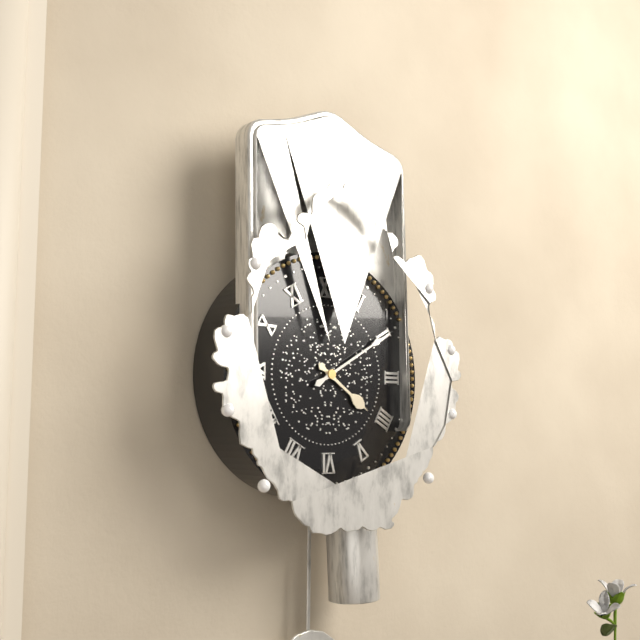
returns 4,10
